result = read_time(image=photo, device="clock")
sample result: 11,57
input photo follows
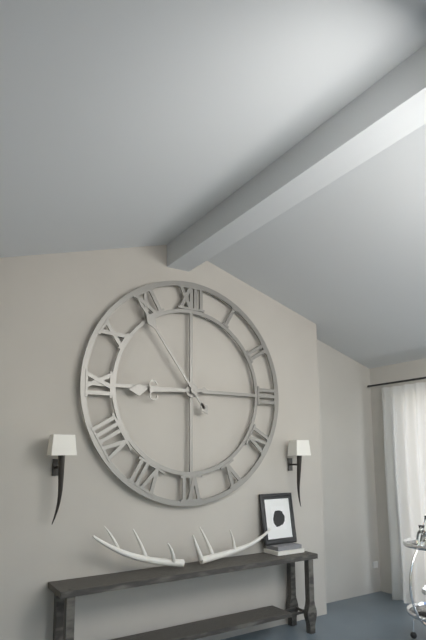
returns 8,54
